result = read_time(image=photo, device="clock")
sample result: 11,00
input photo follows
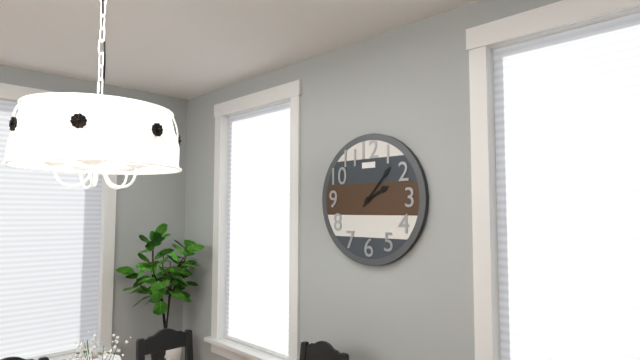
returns 2,07
